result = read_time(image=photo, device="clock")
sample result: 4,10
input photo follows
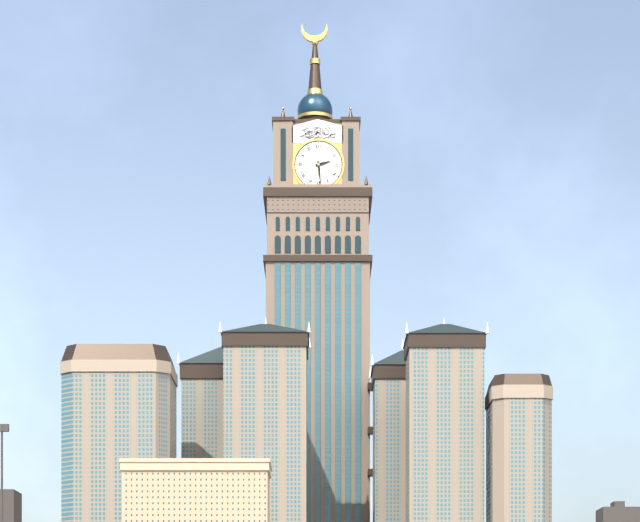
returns 2,29
